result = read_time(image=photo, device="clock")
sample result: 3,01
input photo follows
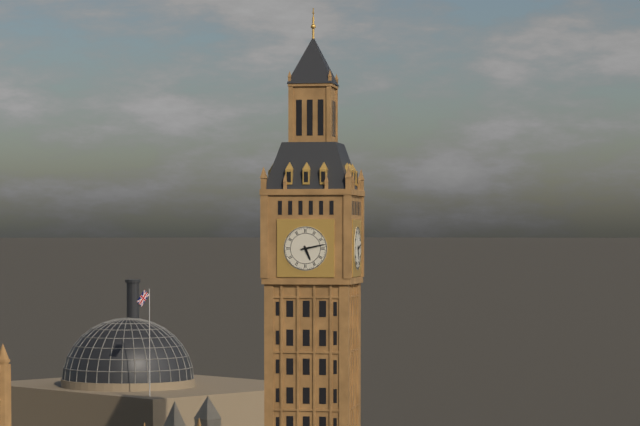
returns 5,13
